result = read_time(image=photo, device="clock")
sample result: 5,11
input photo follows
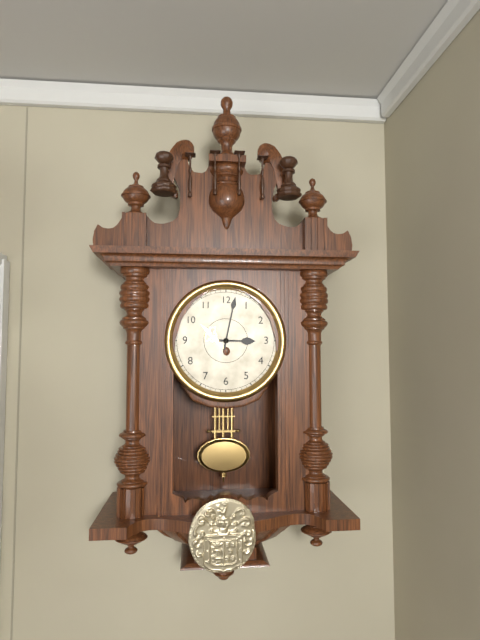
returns 3,02
